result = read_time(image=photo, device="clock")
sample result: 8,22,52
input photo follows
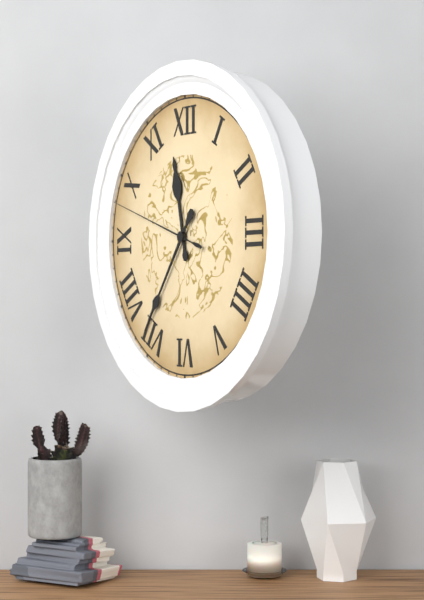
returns 11,36,48
